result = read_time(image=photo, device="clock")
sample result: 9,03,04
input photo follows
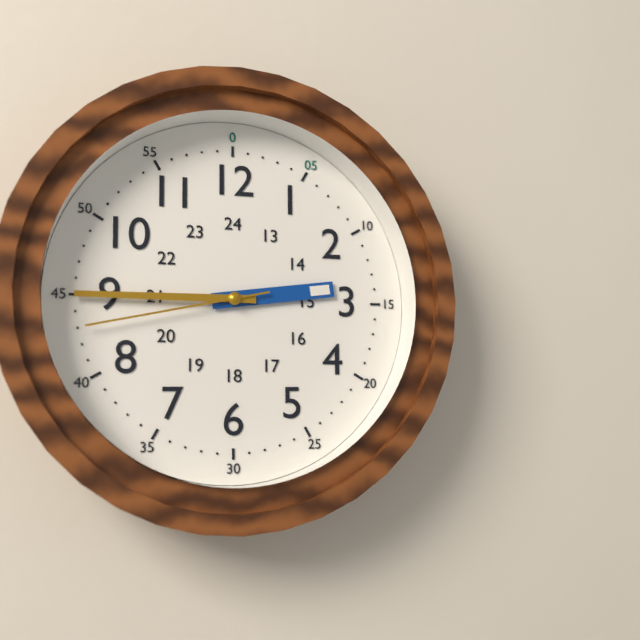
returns 2,45,43
